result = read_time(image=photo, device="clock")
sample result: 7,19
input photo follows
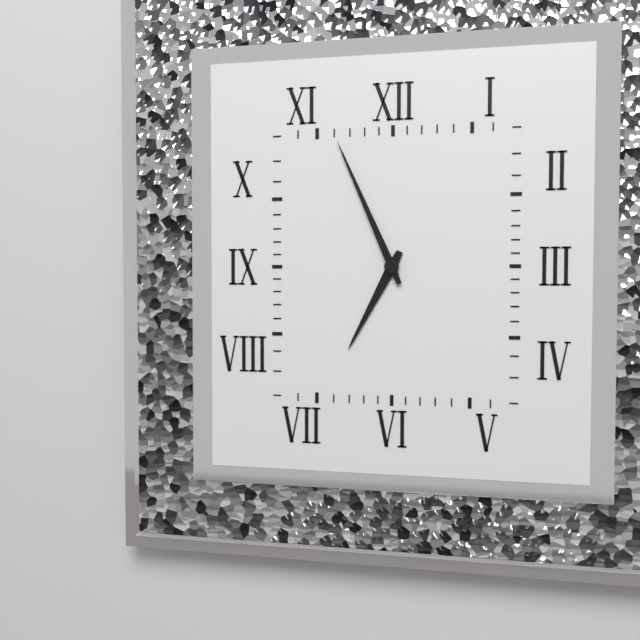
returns 6,56
